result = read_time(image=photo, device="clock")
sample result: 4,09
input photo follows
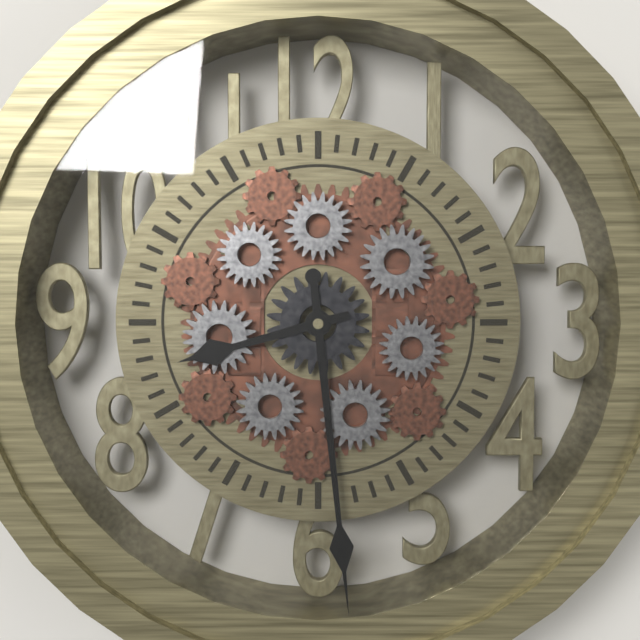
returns 8,29
